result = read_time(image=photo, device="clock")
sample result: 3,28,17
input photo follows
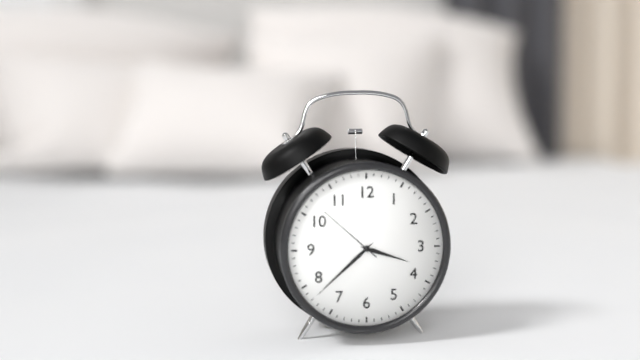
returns 3,38,52
